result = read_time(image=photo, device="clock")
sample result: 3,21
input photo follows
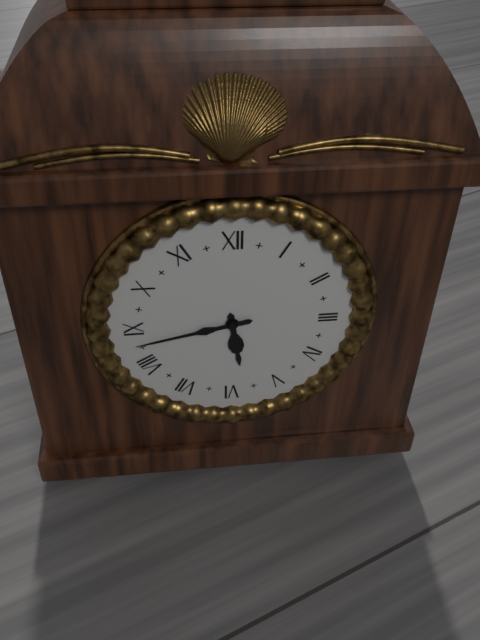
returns 5,43
